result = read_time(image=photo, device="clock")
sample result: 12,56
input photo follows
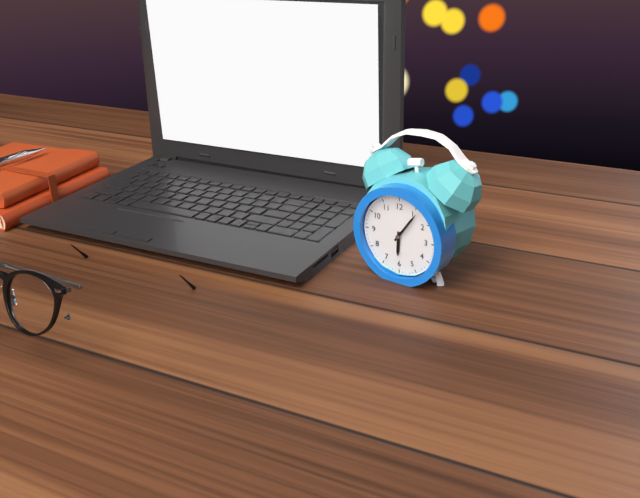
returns 6,06
